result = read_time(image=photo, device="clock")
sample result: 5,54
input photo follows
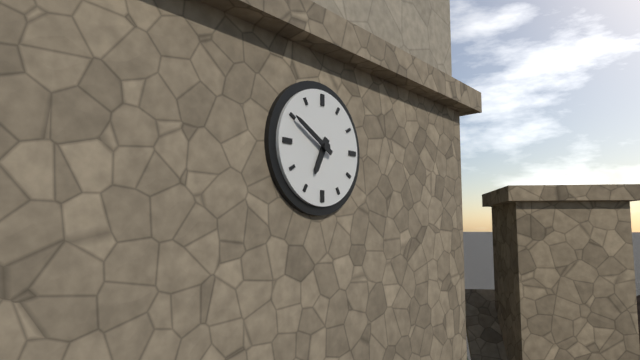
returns 6,50
